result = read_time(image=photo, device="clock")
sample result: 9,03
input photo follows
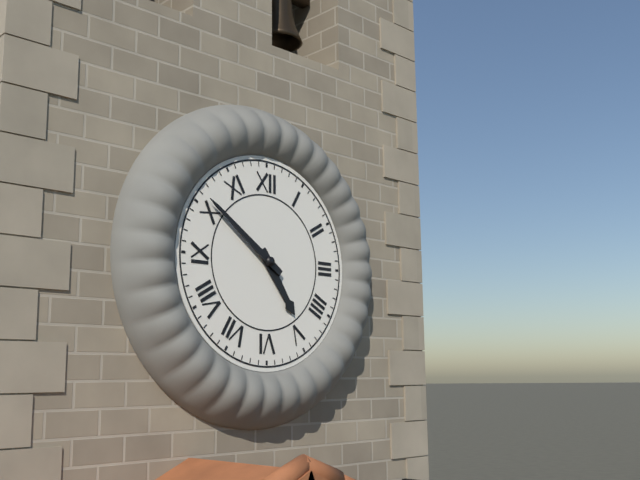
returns 4,51
